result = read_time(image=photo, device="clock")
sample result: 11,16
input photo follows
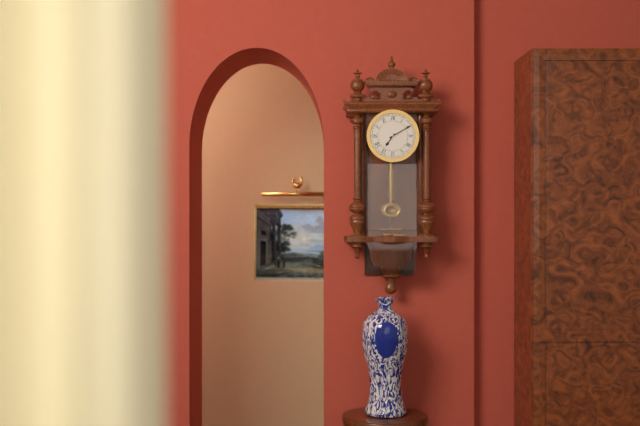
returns 7,10
